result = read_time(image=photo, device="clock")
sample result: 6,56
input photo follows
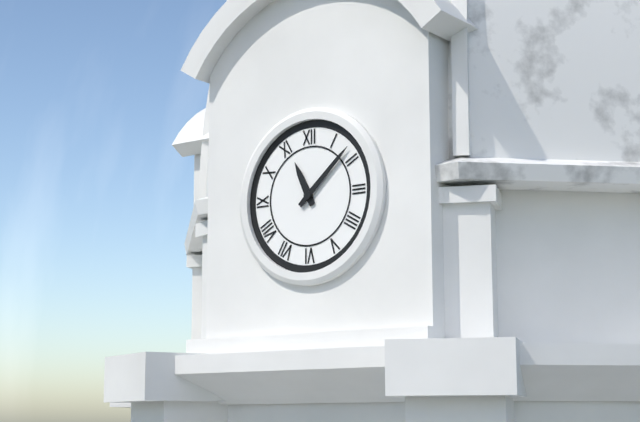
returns 11,08
